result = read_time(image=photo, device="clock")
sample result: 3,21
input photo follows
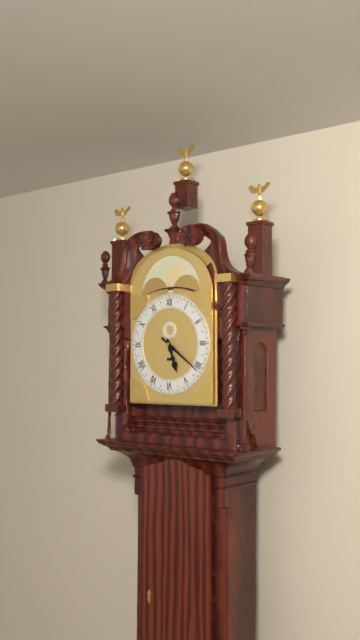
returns 5,21
